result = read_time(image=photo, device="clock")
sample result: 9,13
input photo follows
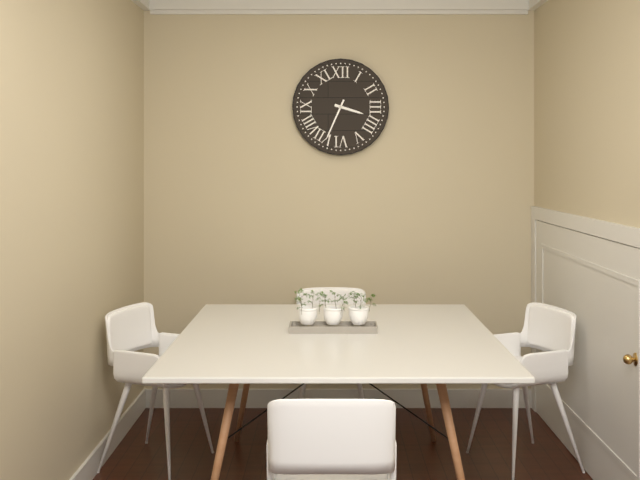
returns 3,34
